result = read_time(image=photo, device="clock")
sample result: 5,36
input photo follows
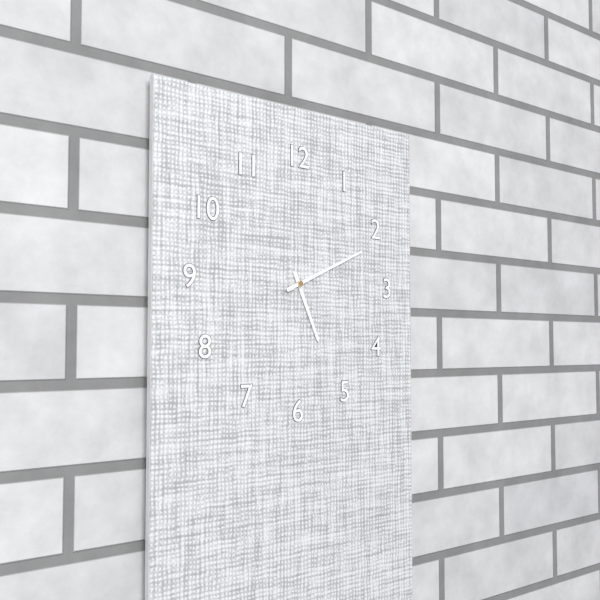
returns 5,11
